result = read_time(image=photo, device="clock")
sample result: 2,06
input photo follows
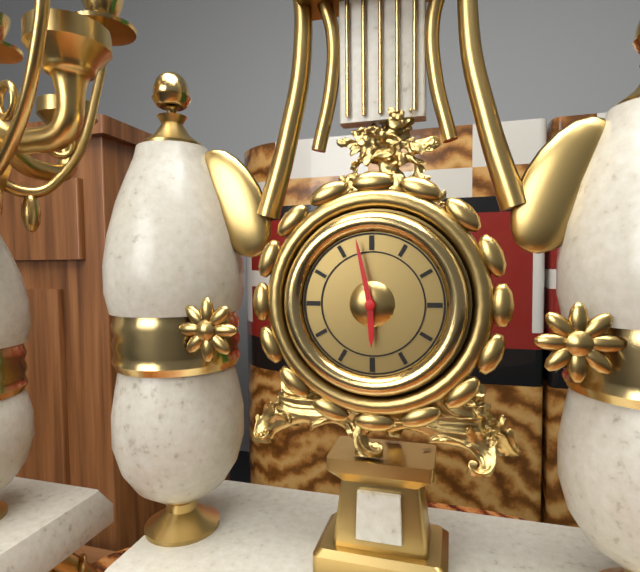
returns 5,58
